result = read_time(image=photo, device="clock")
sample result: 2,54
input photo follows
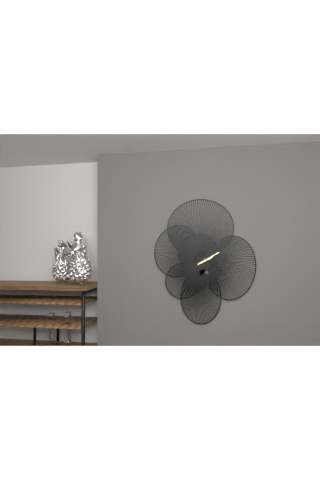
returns 2,10
